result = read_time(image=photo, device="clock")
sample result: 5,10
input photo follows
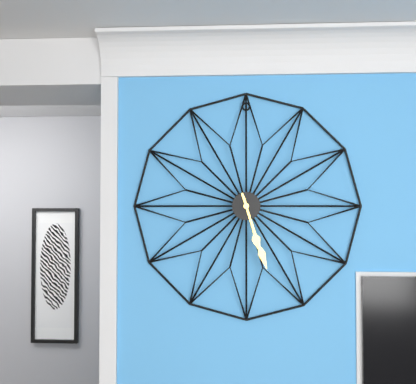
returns 5,27
